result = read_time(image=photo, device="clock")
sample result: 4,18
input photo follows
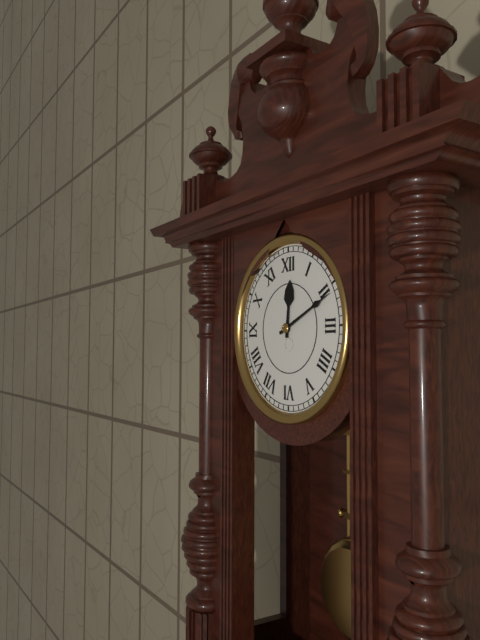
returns 12,11
